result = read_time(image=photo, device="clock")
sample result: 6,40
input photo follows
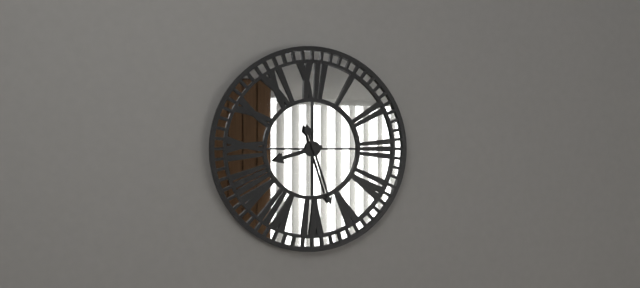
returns 8,27
